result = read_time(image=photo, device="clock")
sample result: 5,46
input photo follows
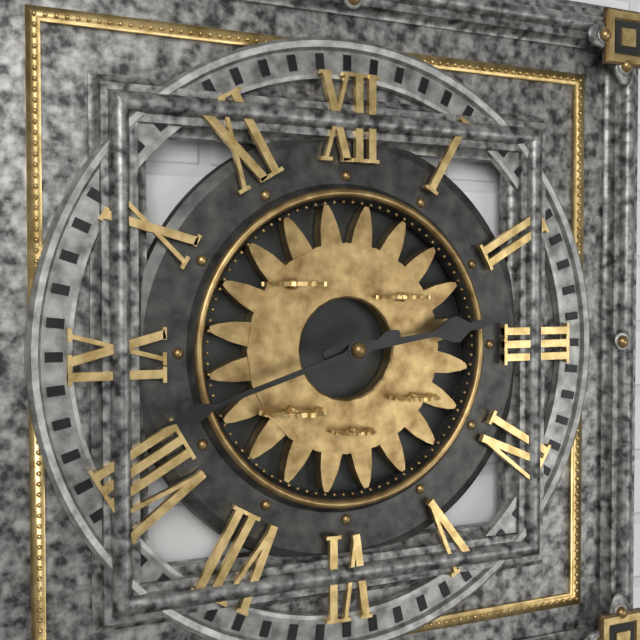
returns 2,42
